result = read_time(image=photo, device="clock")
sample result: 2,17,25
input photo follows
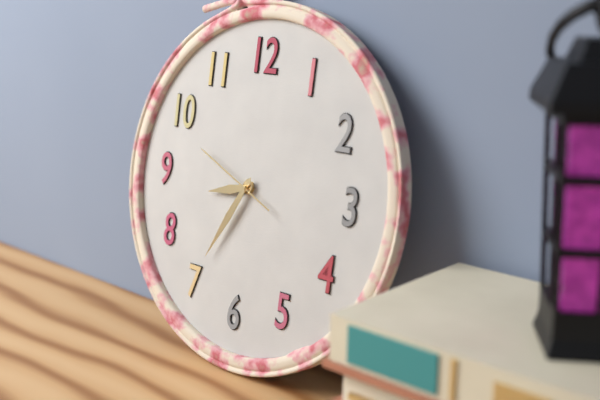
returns 8,35,49
